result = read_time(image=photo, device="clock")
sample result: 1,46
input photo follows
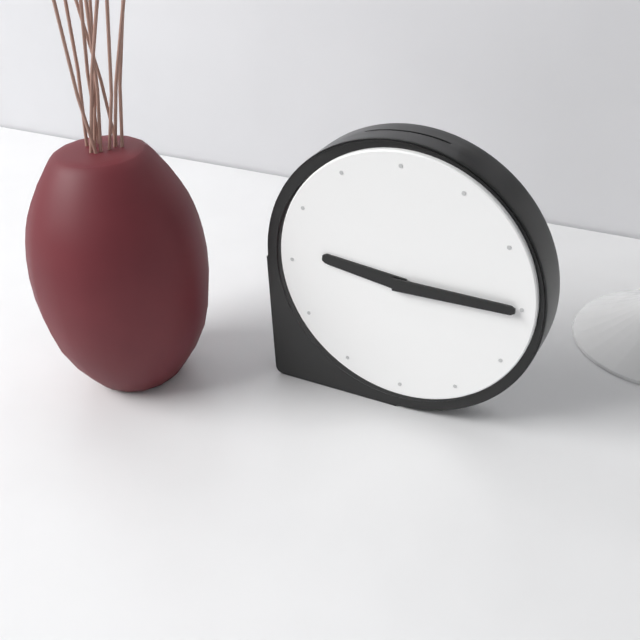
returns 9,15
